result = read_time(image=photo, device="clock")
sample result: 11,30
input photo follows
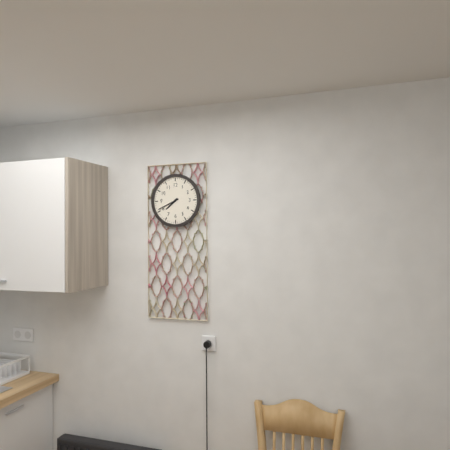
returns 7,41
